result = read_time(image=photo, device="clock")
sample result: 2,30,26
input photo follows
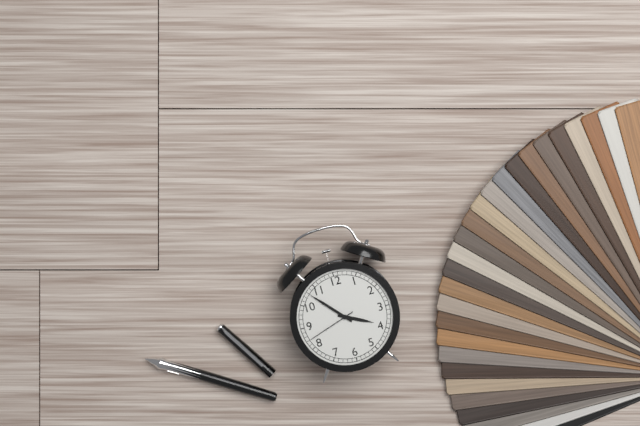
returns 3,53,42
